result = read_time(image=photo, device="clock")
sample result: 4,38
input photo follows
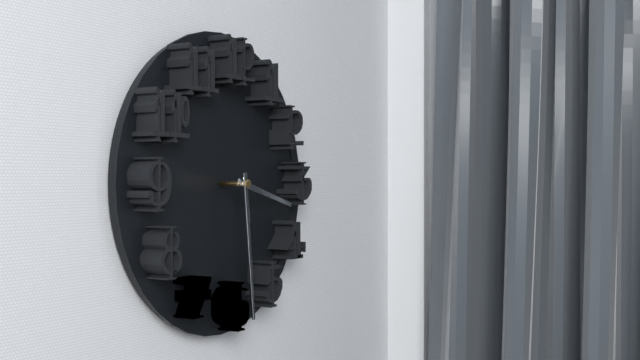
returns 3,29
